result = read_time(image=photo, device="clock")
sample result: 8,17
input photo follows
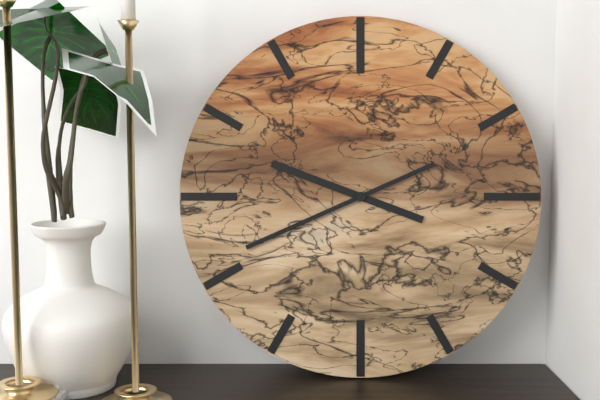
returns 9,41
